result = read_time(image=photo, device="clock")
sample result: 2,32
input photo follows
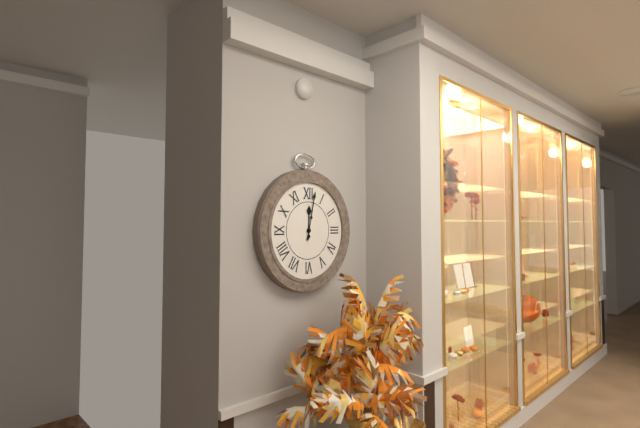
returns 12,02
